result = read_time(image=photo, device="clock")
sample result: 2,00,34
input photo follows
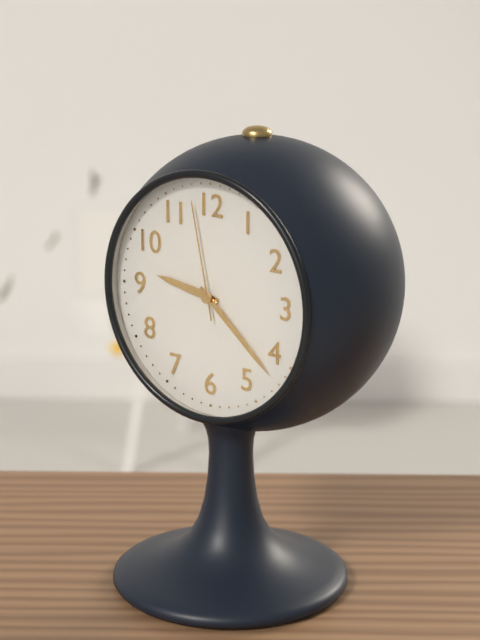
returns 9,22,58
